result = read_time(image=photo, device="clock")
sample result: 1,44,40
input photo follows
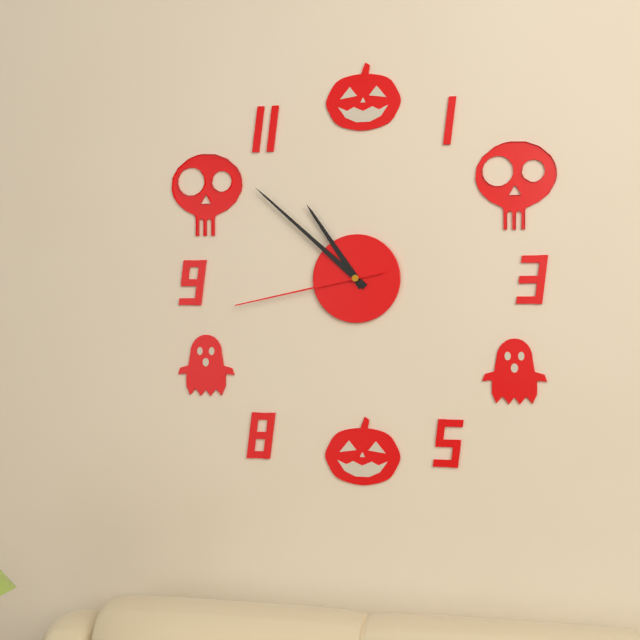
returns 10,52,43
